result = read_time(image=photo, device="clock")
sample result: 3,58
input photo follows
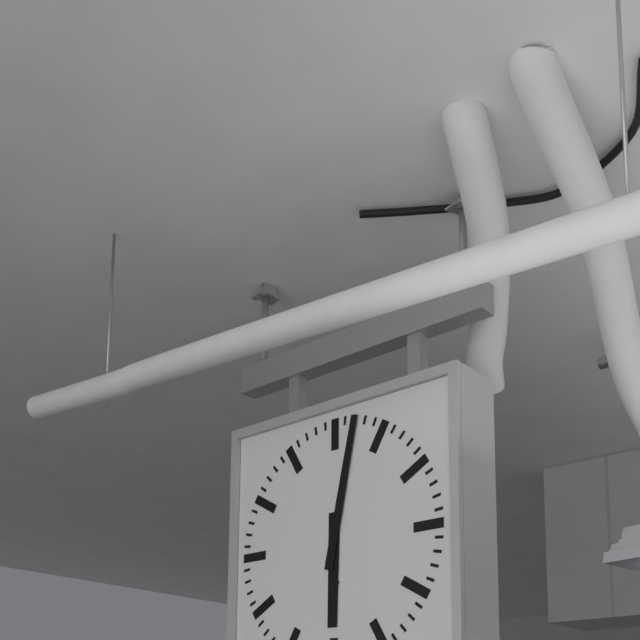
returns 6,02
